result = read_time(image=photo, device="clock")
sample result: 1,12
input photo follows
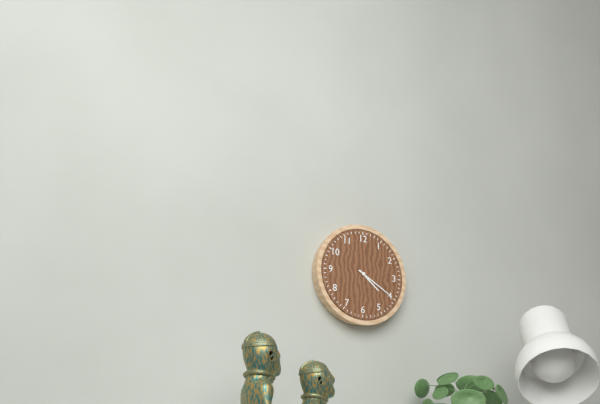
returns 4,20
